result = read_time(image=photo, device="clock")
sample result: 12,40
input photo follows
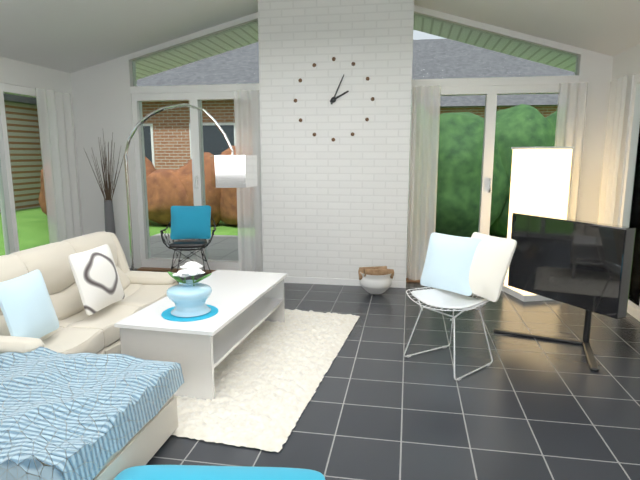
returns 2,04
